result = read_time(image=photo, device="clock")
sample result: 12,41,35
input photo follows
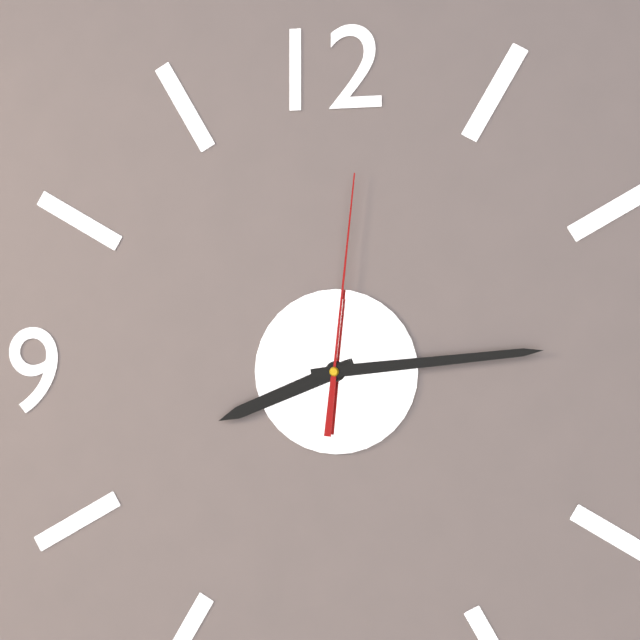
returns 8,14,01
